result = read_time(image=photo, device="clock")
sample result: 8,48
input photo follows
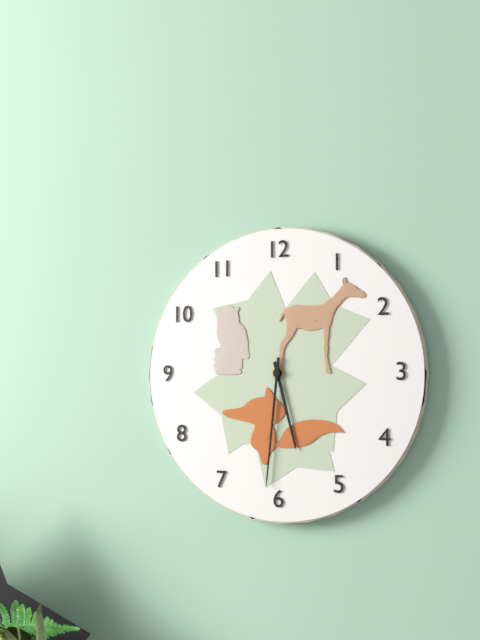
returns 5,31
